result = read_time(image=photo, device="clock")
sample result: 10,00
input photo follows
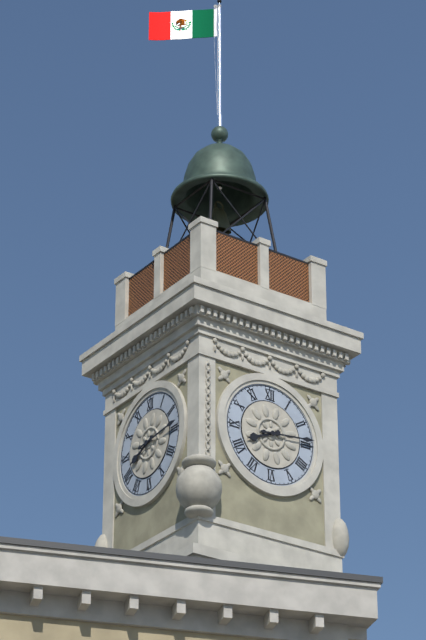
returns 8,14
